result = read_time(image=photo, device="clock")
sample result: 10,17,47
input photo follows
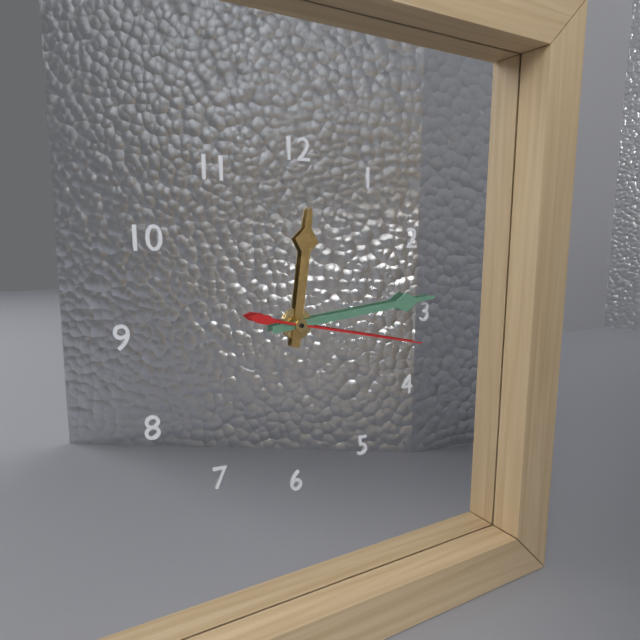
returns 12,14,17
